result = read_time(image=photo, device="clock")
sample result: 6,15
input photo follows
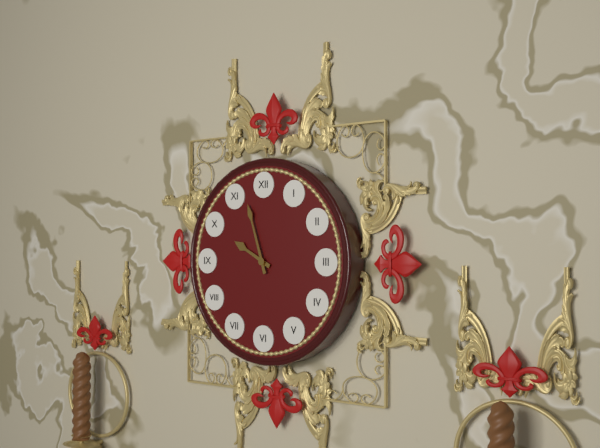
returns 9,57
